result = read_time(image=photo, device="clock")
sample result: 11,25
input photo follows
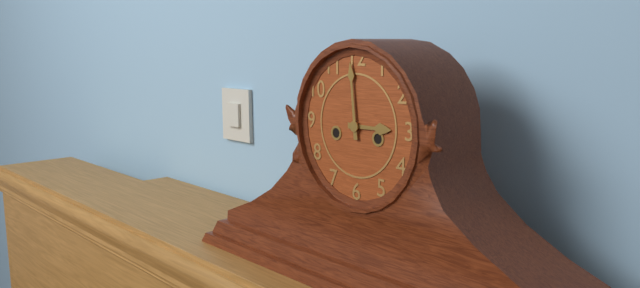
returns 2,59
